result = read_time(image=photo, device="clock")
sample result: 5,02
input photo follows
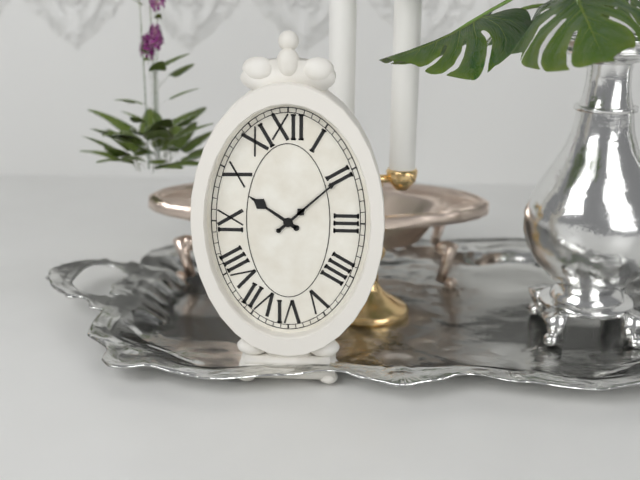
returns 10,08
